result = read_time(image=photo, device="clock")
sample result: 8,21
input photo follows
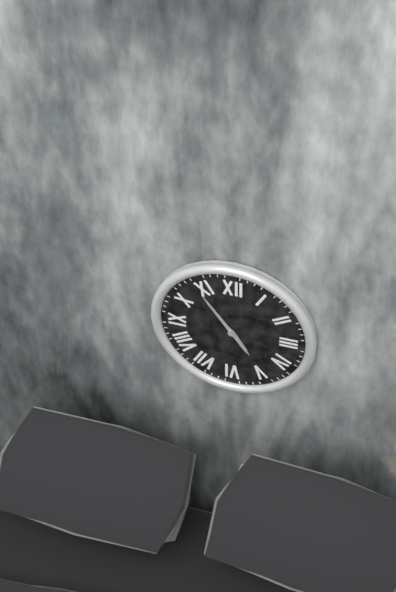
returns 4,54
